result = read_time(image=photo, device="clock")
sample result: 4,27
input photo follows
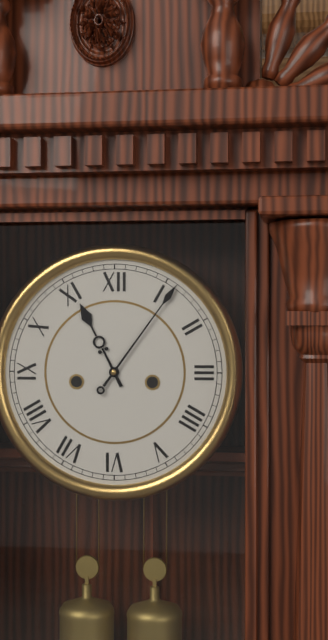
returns 11,06
